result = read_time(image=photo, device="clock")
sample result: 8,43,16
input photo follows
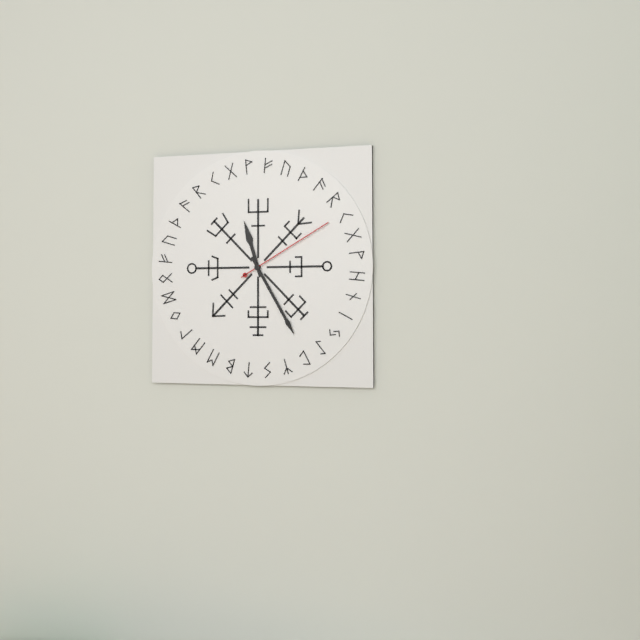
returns 11,25,10
